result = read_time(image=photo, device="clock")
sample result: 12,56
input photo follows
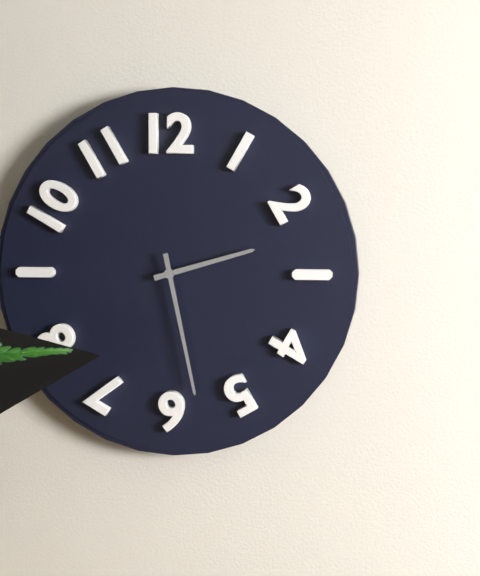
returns 2,28
